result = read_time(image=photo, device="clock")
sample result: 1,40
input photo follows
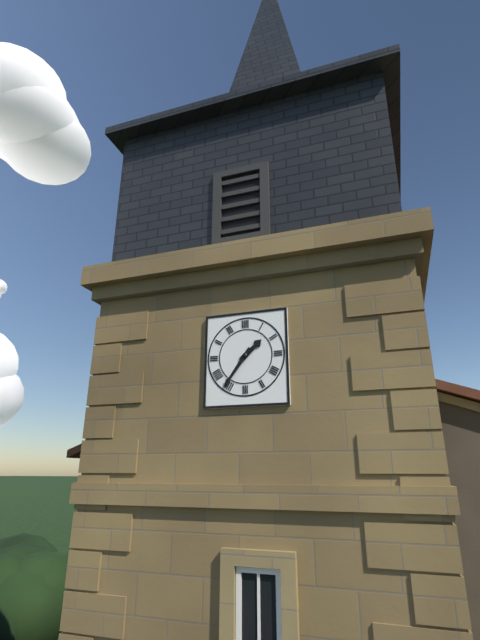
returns 1,36
